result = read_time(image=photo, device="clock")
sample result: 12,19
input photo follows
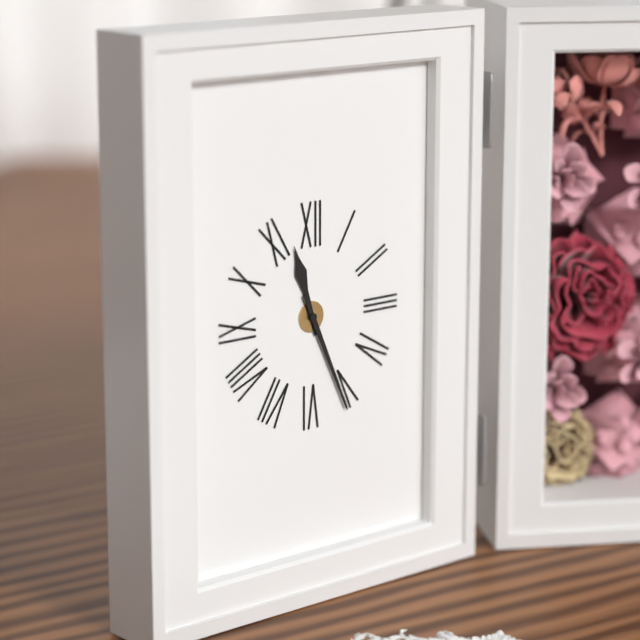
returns 11,26
